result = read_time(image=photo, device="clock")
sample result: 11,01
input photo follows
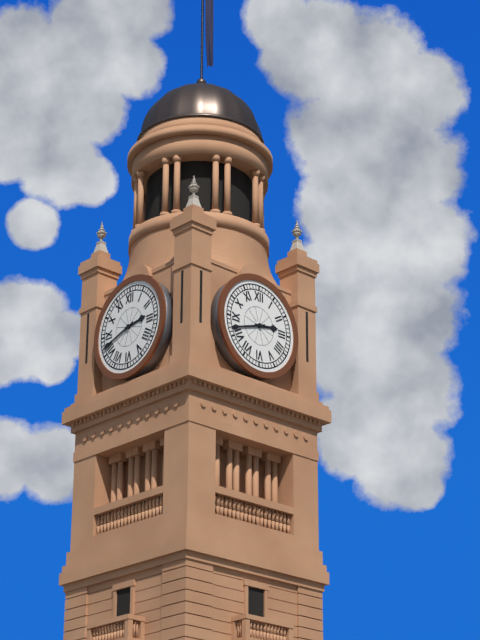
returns 2,42
